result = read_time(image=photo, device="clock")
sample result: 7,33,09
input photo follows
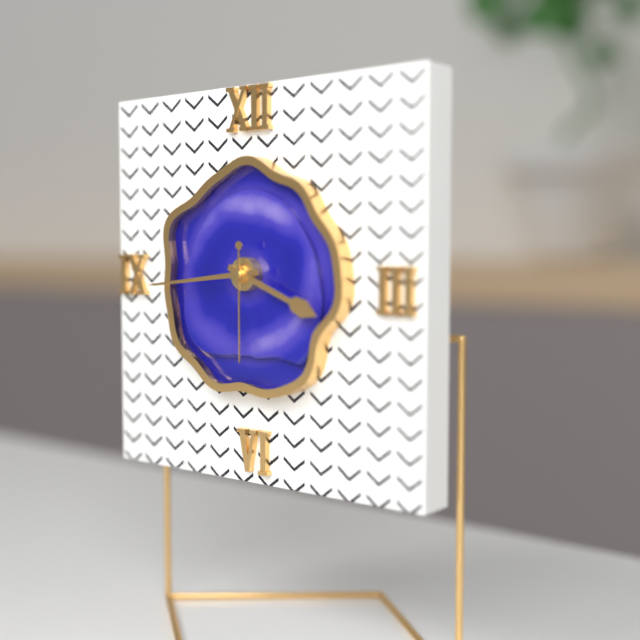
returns 3,44,30
